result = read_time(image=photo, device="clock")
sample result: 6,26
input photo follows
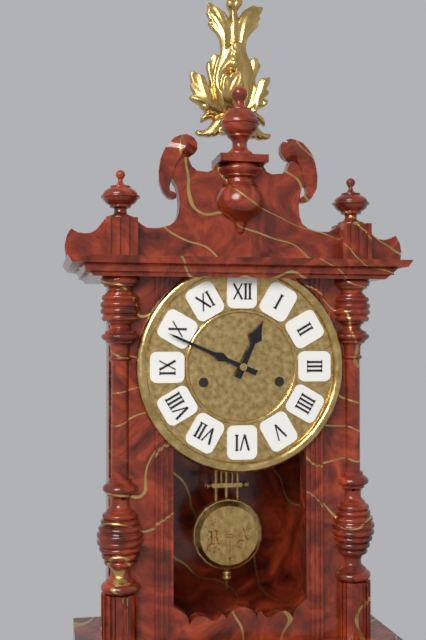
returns 12,49
